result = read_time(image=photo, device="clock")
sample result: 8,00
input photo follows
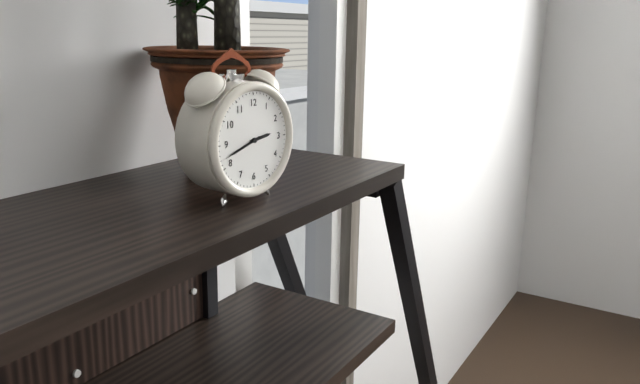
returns 2,42
